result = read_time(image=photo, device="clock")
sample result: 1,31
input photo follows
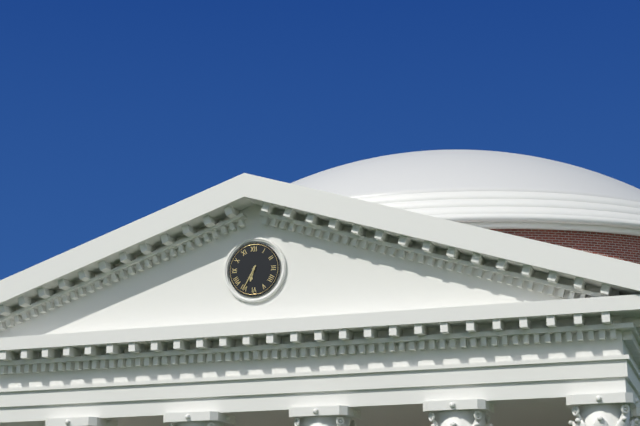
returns 6,35
